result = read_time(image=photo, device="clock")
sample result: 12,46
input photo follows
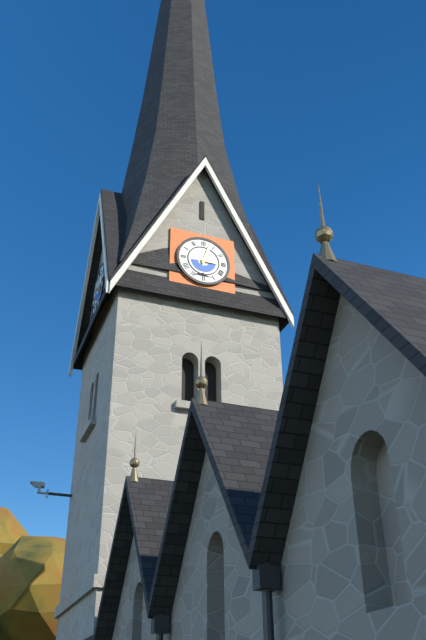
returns 3,03
